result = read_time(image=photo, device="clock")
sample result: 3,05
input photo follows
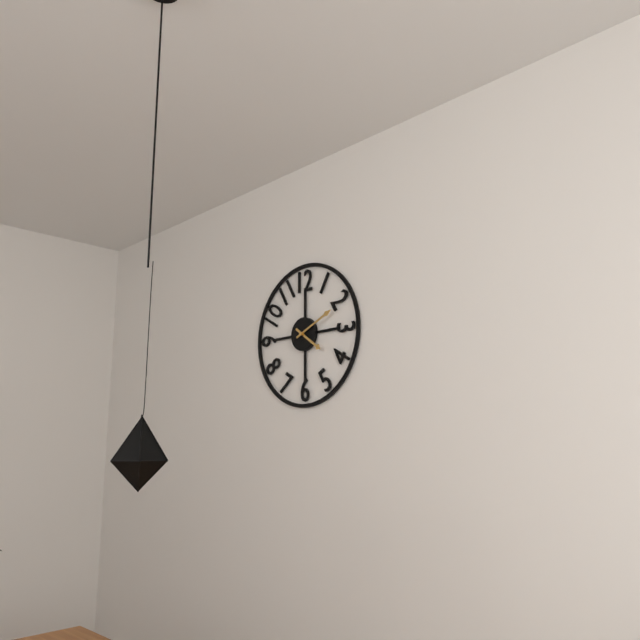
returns 4,11
